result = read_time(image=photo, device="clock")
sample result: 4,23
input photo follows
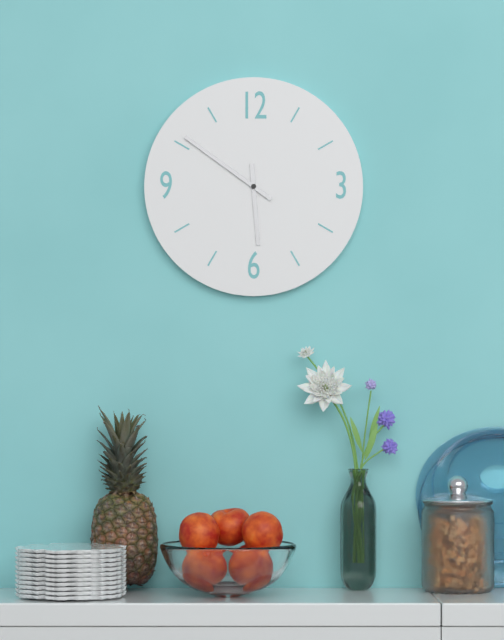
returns 5,51
